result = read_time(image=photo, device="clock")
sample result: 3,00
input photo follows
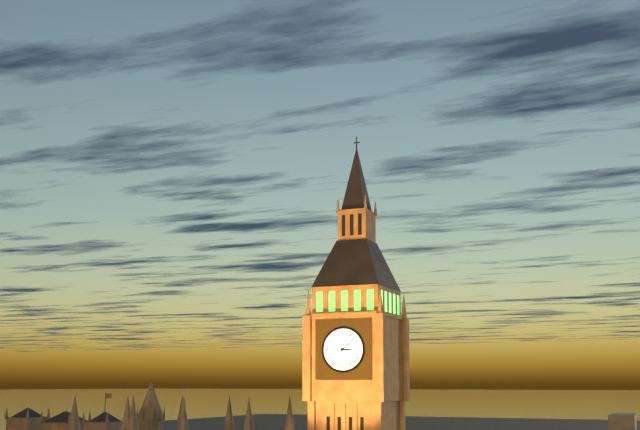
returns 3,08
